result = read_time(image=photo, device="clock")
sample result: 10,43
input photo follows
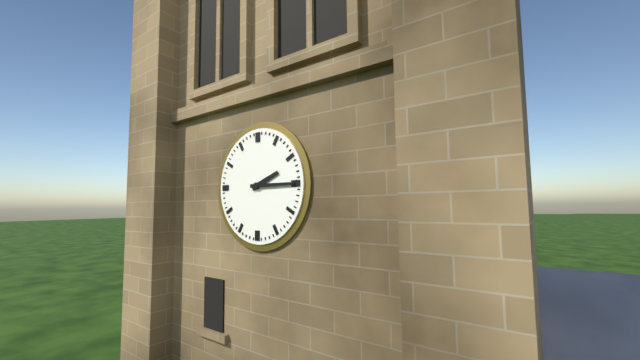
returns 2,15
